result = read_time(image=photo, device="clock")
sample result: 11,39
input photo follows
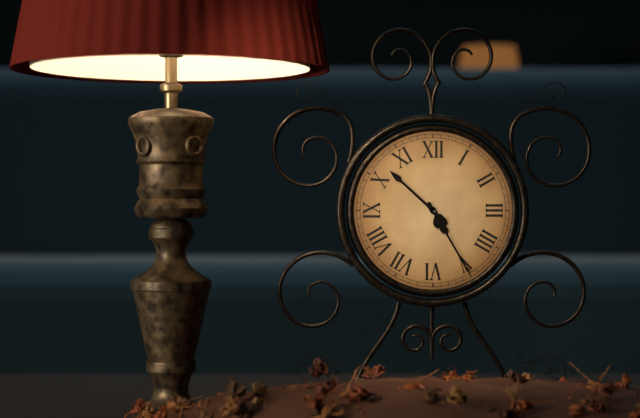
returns 10,25
